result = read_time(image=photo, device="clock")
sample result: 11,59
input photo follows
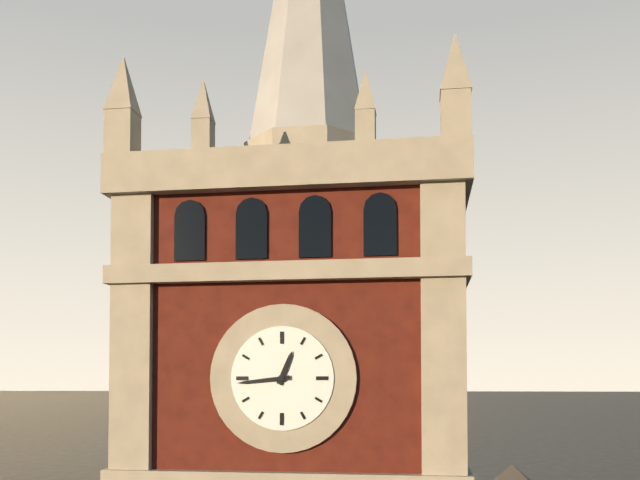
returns 12,44
